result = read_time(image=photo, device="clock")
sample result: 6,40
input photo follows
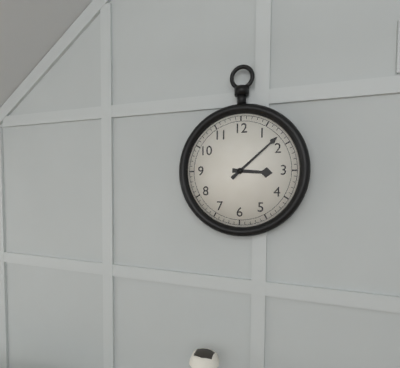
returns 3,08
